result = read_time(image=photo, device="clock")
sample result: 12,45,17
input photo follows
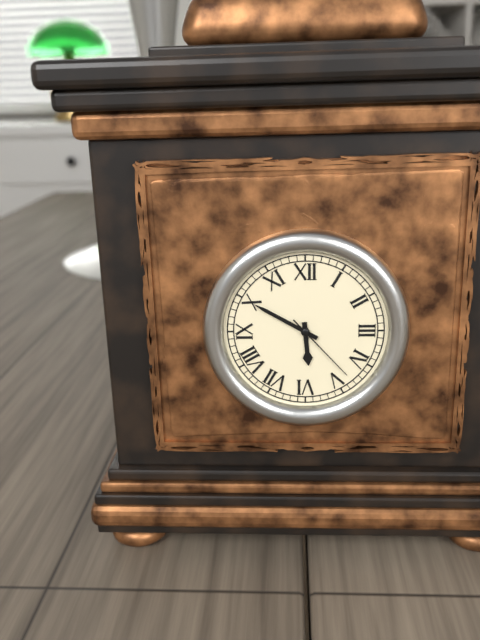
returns 5,50,23
